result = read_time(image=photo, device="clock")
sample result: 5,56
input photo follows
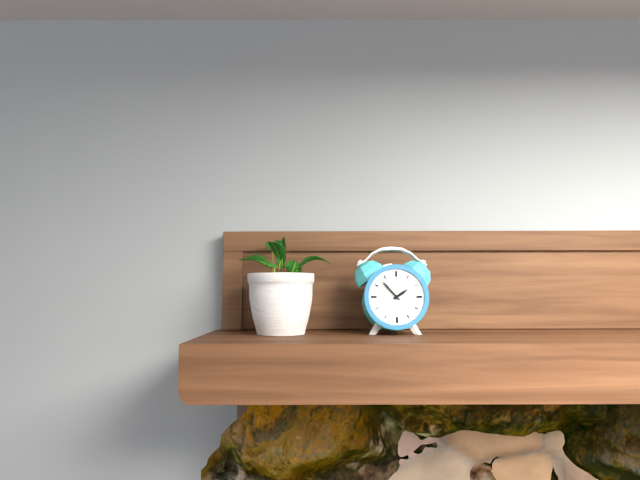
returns 1,53
